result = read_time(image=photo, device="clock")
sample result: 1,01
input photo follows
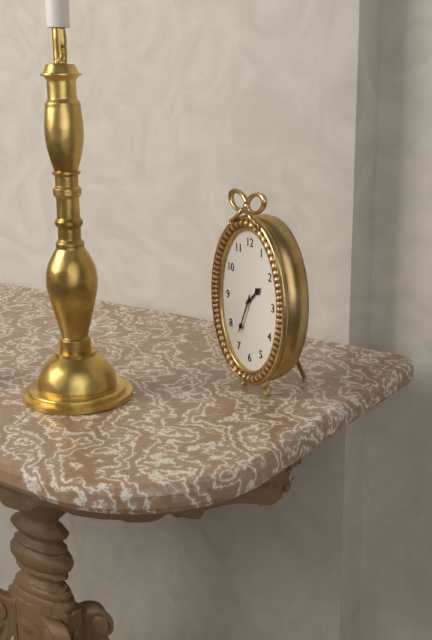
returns 1,34
